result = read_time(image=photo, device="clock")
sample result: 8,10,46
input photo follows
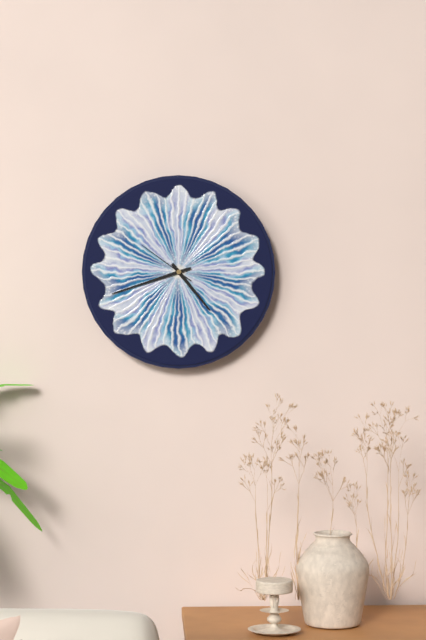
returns 4,42,51
